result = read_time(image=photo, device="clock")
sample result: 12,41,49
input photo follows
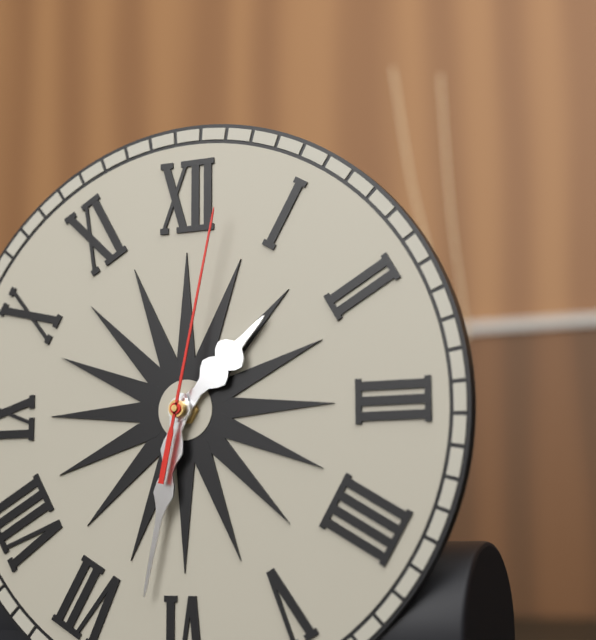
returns 1,32,02
